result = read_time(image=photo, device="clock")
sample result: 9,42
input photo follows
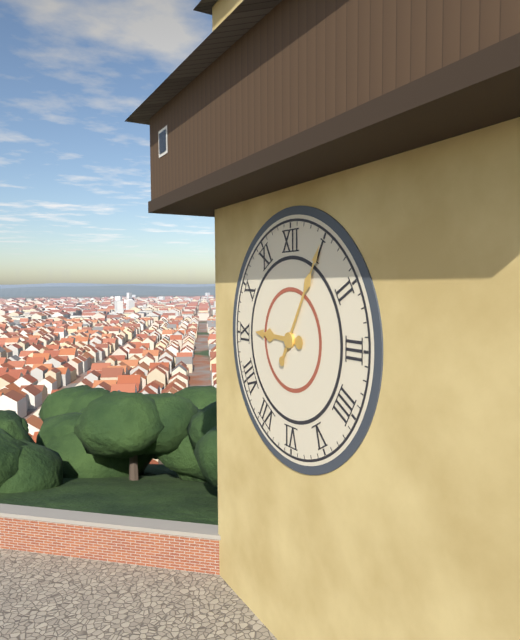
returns 9,05
